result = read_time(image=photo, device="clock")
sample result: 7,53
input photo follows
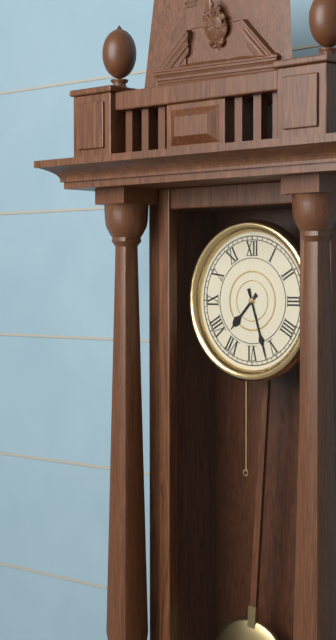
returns 7,27
